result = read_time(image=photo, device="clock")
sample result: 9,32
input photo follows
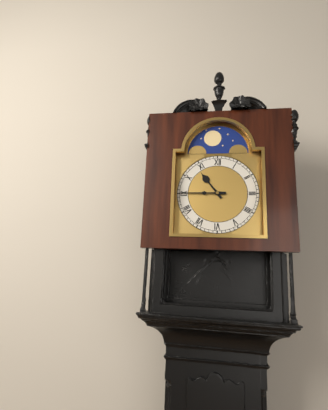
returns 10,45
